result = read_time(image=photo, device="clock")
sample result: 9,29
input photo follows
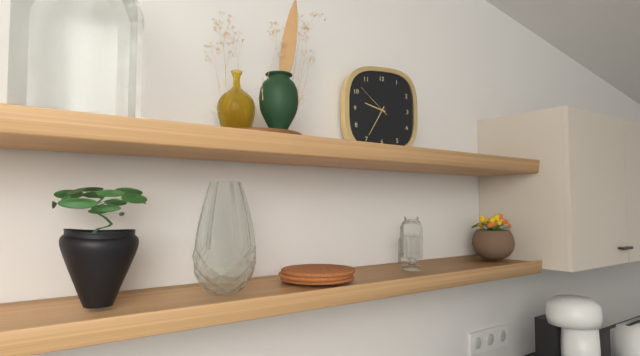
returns 9,35
